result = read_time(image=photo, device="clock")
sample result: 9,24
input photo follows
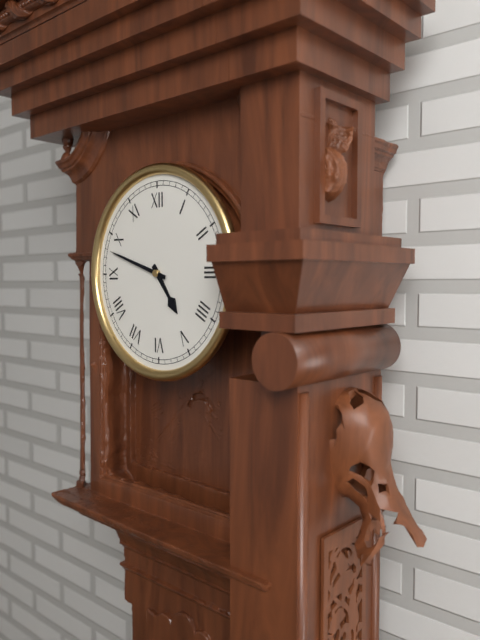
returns 4,48
